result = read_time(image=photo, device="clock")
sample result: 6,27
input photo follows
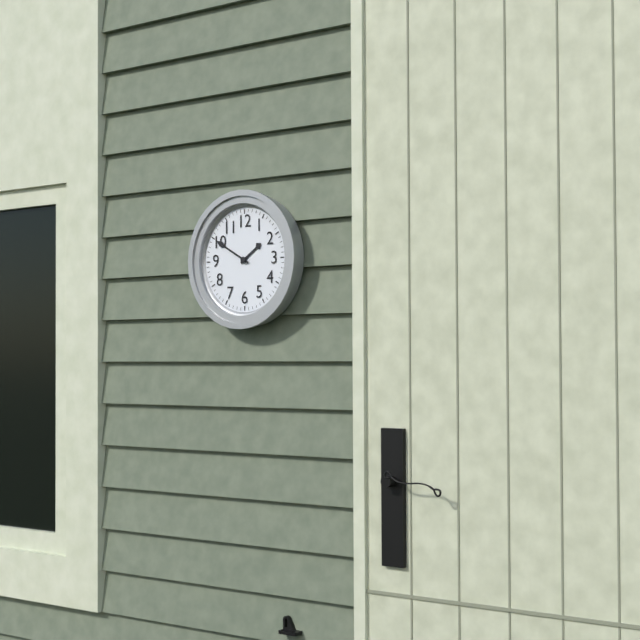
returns 1,50
